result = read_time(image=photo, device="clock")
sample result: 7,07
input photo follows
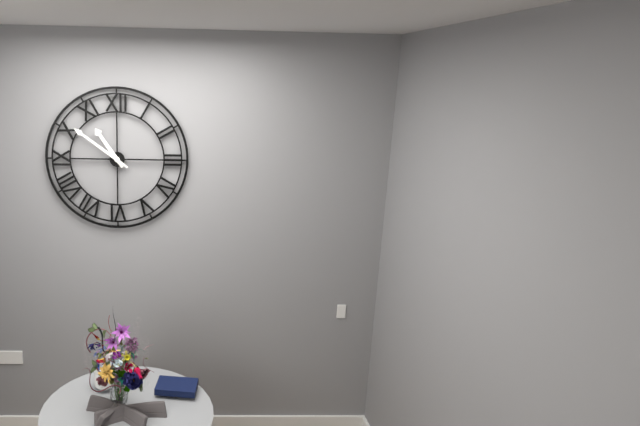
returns 10,51
